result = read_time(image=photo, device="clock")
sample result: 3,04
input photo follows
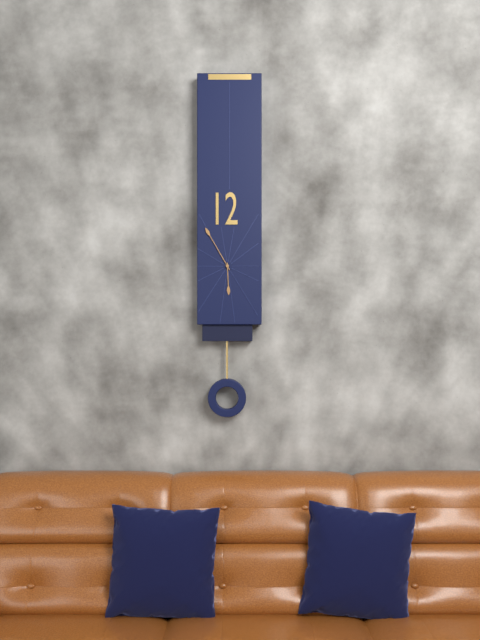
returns 5,55
